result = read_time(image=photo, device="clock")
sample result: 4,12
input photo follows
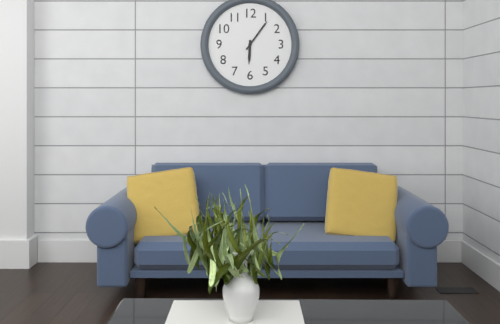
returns 6,06
